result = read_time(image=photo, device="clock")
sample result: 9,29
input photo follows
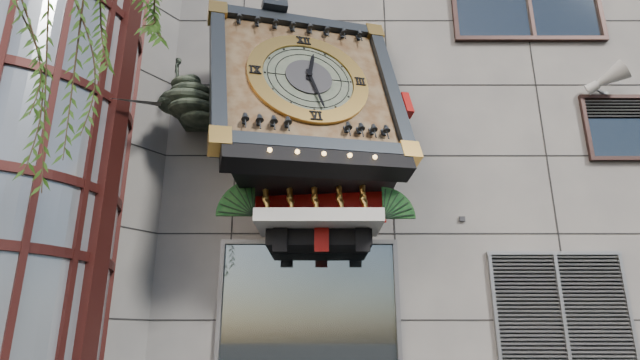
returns 12,28
